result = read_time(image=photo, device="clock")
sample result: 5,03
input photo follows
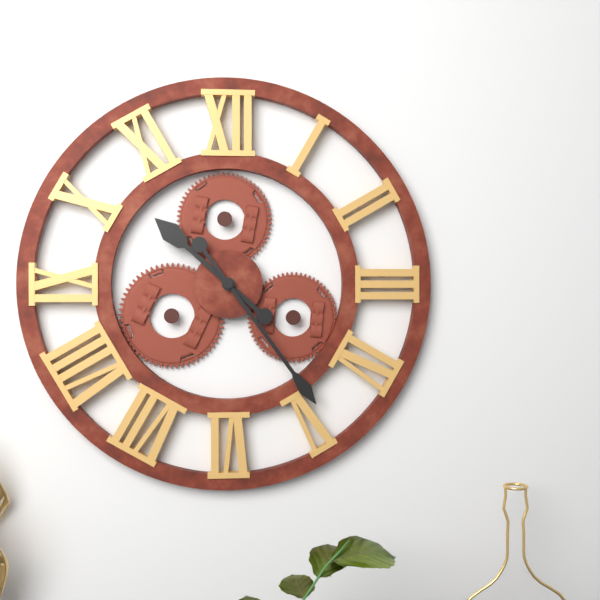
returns 10,24
